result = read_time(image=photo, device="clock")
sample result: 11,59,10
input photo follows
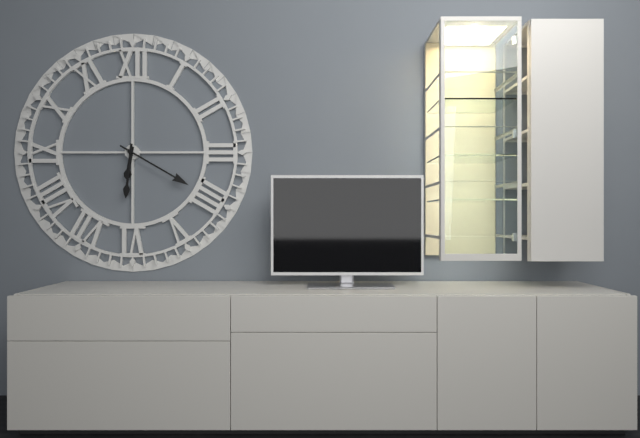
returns 6,20,31
